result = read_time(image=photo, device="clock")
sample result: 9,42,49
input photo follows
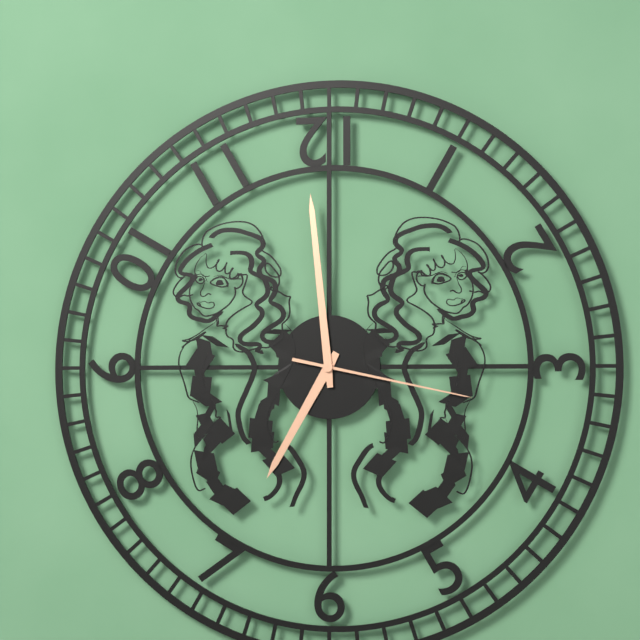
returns 6,59,17
